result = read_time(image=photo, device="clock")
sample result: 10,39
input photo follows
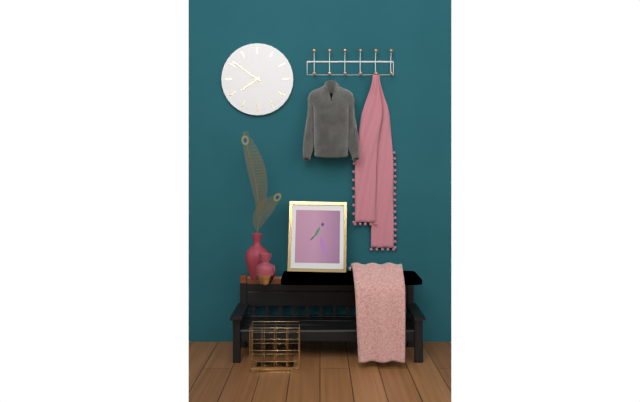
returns 7,51
